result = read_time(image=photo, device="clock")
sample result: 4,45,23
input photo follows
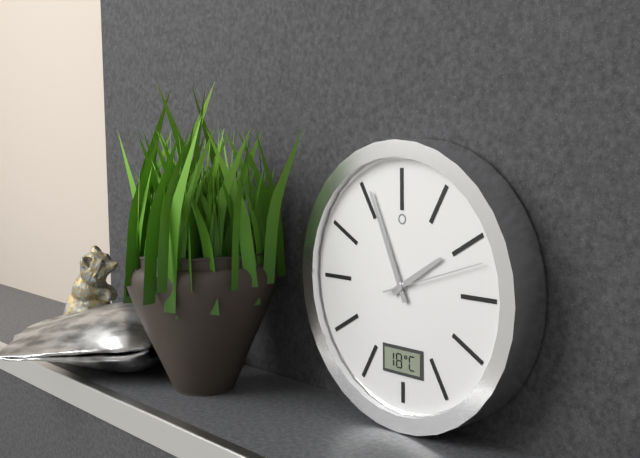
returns 1,56,12
